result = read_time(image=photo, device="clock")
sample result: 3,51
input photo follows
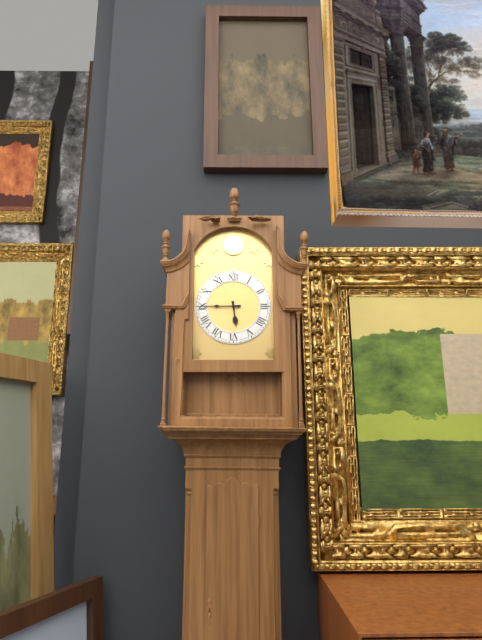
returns 5,45
